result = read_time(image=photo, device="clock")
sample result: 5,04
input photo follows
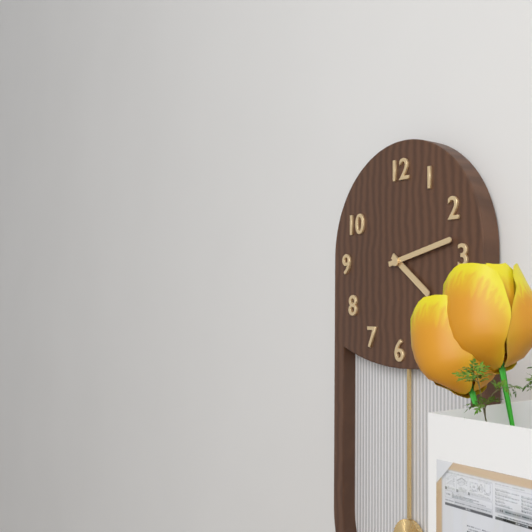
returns 4,13
